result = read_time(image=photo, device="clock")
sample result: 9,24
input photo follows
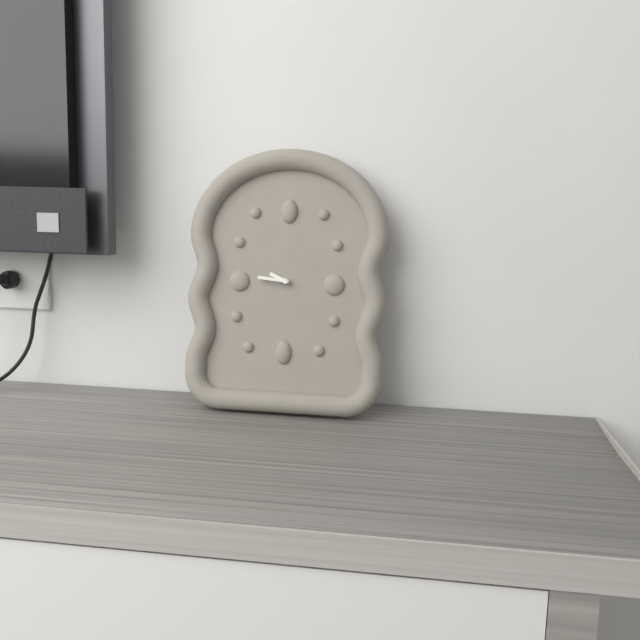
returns 9,46
